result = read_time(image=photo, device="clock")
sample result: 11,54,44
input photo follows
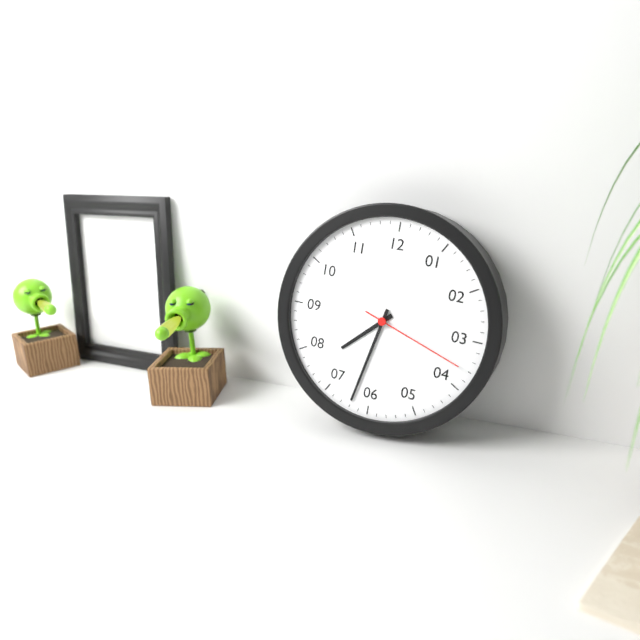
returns 7,32,18
